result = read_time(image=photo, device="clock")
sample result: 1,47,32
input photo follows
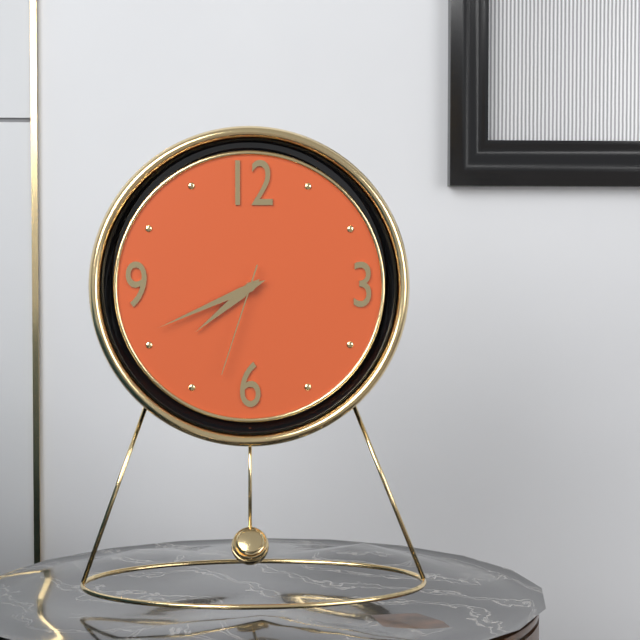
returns 7,41,33
